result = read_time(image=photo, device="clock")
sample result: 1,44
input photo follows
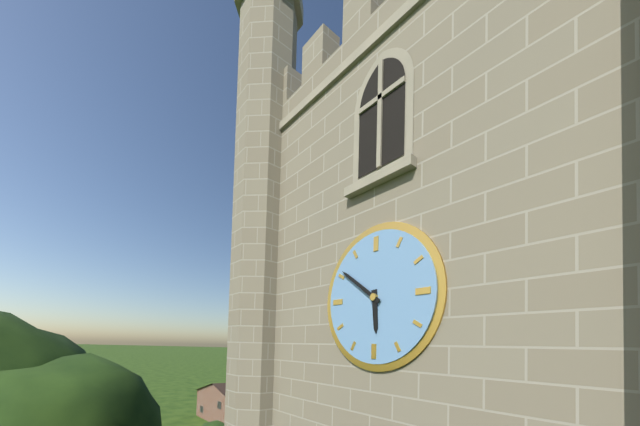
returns 5,51
